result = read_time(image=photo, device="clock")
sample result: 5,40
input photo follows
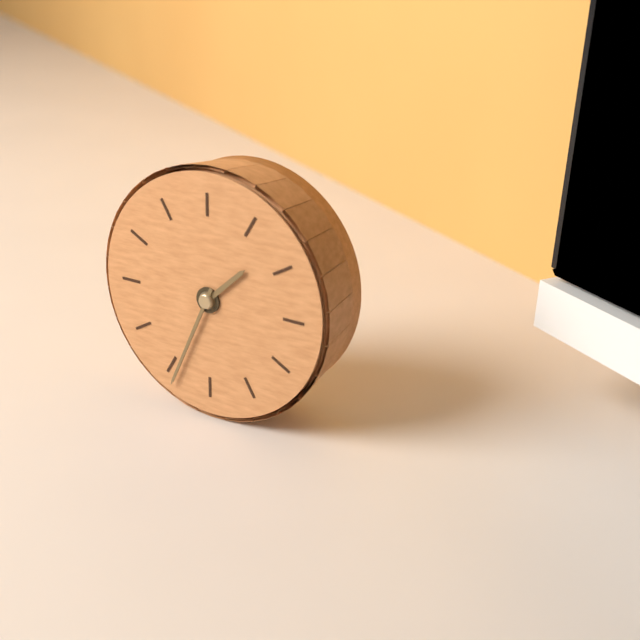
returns 1,34
